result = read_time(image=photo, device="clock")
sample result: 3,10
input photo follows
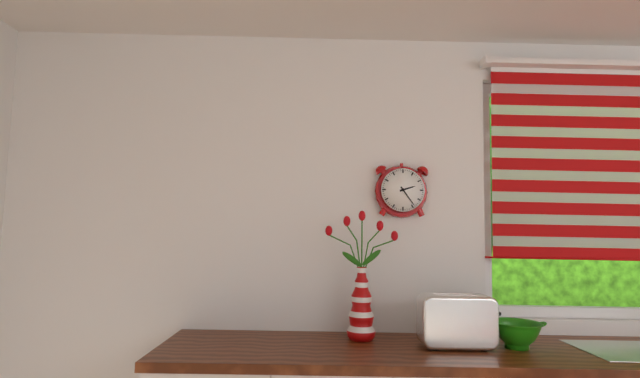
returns 2,24
